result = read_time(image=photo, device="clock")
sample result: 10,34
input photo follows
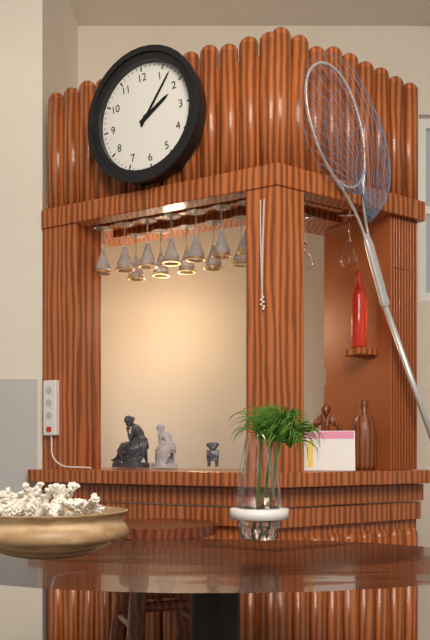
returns 2,07
